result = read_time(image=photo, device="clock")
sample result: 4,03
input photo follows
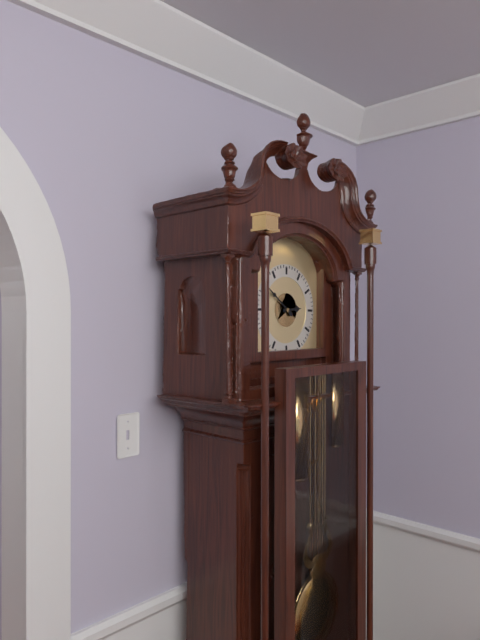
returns 2,51
